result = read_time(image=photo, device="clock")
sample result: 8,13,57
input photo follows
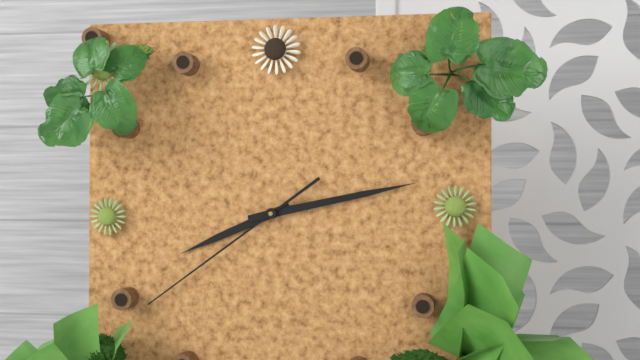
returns 8,13,39
